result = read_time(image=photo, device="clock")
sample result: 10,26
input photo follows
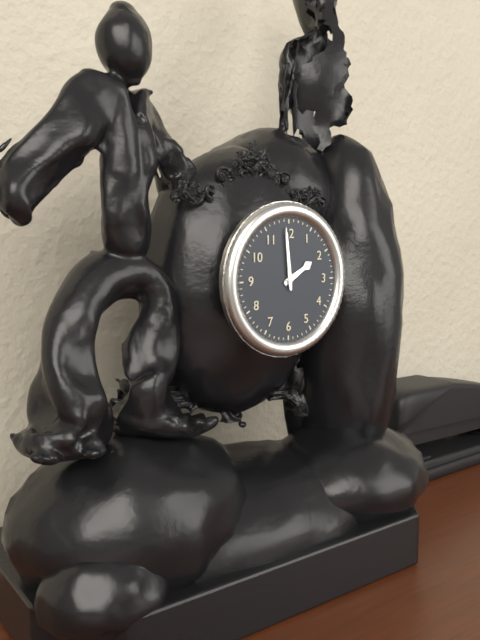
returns 1,59
